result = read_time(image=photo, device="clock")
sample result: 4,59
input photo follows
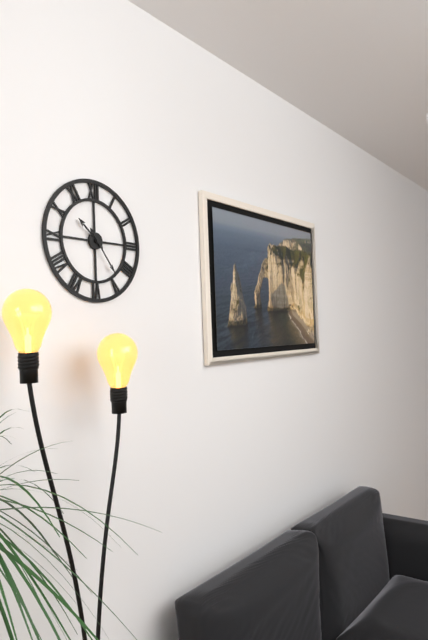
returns 10,24
